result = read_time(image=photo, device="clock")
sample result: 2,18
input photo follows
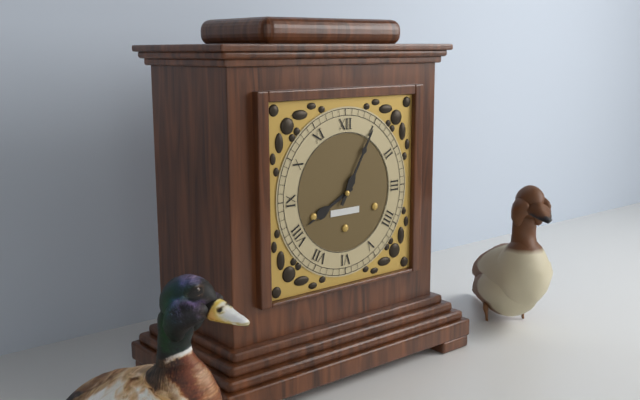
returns 8,05
